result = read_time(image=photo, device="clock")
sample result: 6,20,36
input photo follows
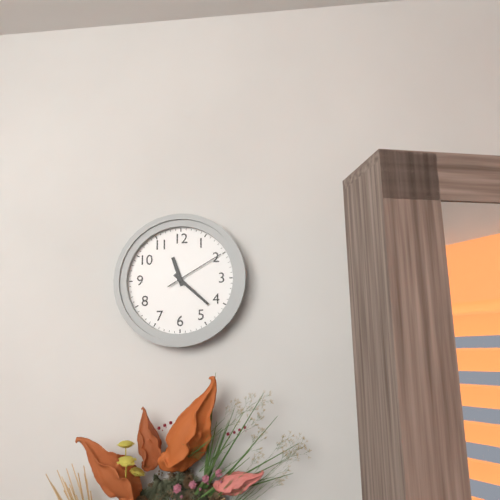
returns 11,22,10
